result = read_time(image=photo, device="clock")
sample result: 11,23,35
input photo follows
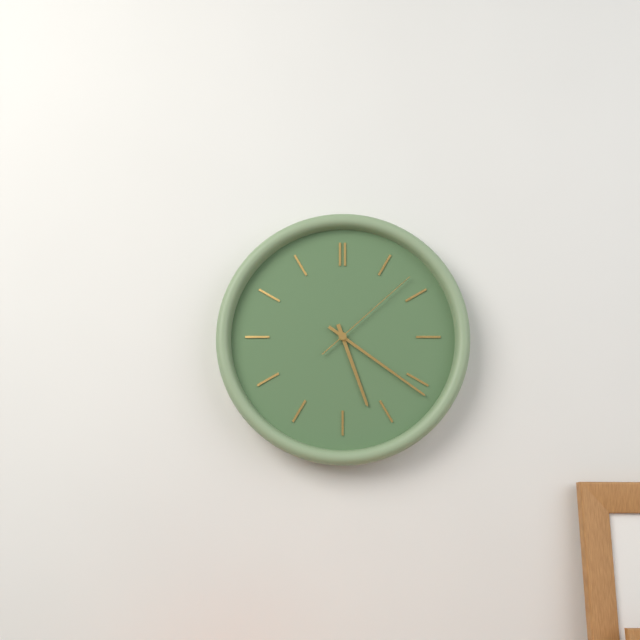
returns 5,21,08
